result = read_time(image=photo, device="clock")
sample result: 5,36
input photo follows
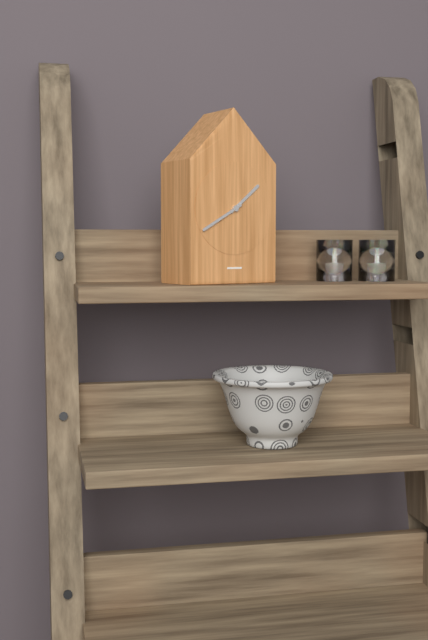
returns 1,40
